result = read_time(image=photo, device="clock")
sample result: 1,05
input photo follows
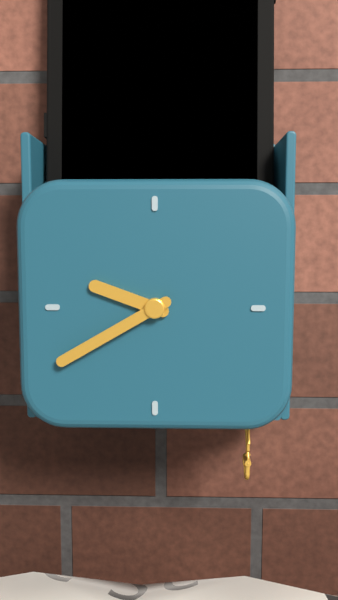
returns 9,40
